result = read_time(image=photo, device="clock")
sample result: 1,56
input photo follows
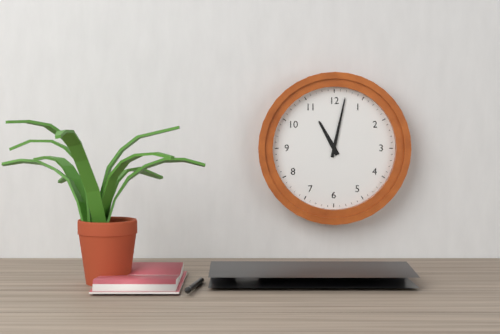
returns 11,02
